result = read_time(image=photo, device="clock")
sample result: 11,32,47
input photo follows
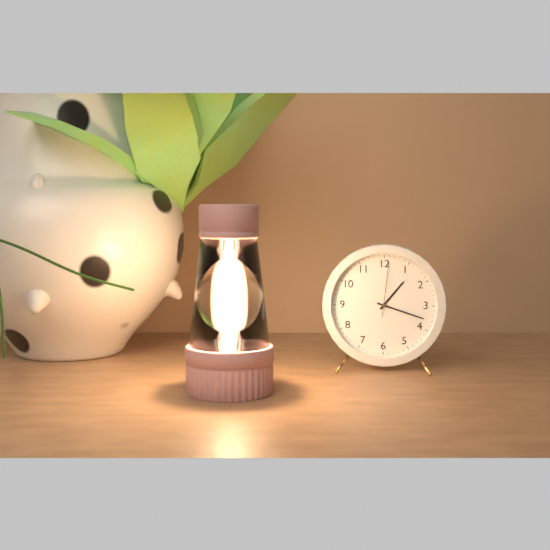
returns 1,18,01
